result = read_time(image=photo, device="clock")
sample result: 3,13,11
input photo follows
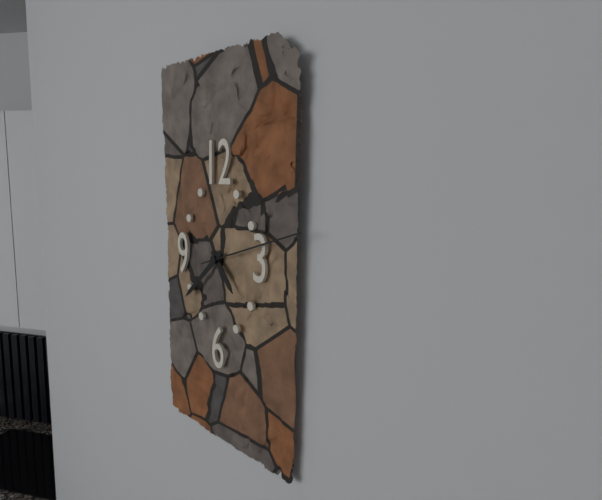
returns 4,38,12
